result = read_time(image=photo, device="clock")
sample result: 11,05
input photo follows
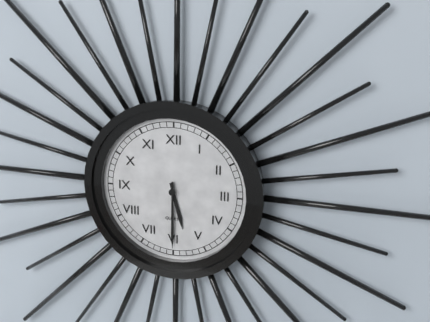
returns 5,30
